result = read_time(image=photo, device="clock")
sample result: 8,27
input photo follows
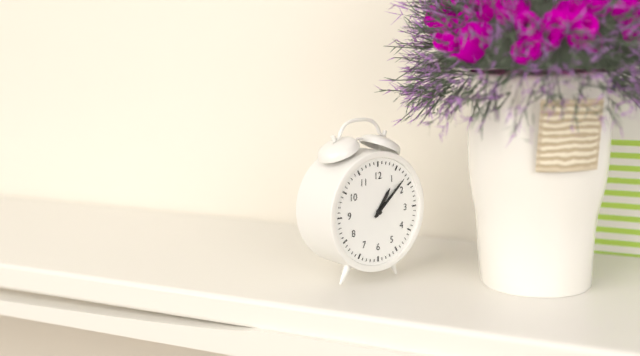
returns 1,08
